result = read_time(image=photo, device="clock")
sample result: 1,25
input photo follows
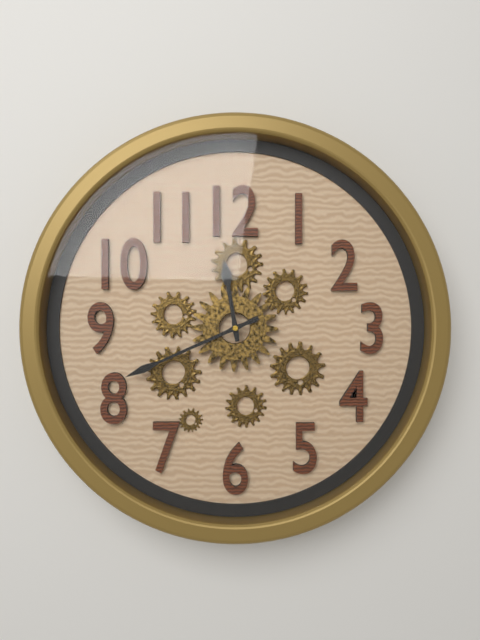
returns 11,41
